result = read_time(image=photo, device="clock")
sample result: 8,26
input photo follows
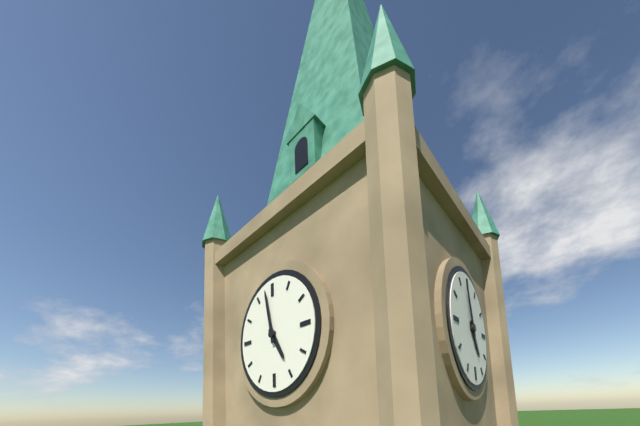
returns 4,58
